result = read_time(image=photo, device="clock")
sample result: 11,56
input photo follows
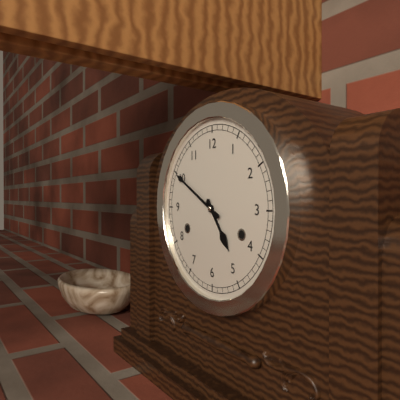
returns 4,50
